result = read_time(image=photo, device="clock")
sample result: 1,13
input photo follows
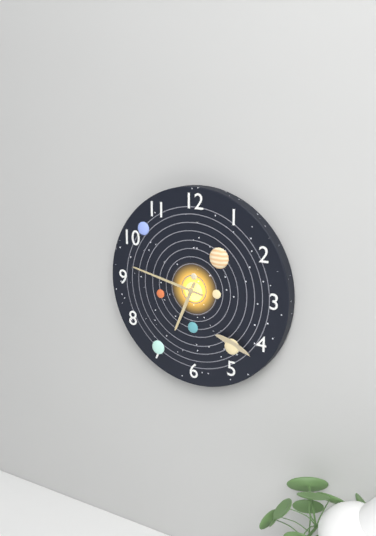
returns 6,47
